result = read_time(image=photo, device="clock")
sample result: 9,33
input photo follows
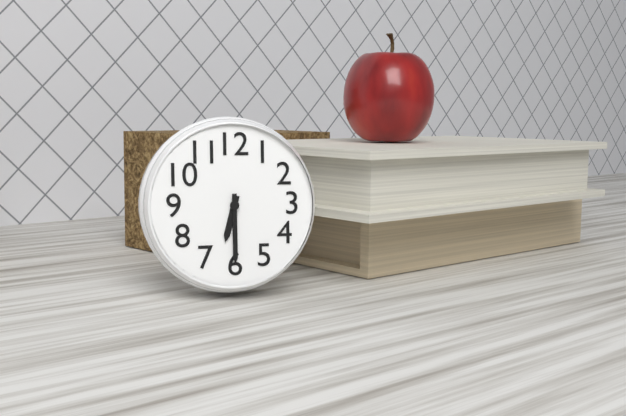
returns 6,30
